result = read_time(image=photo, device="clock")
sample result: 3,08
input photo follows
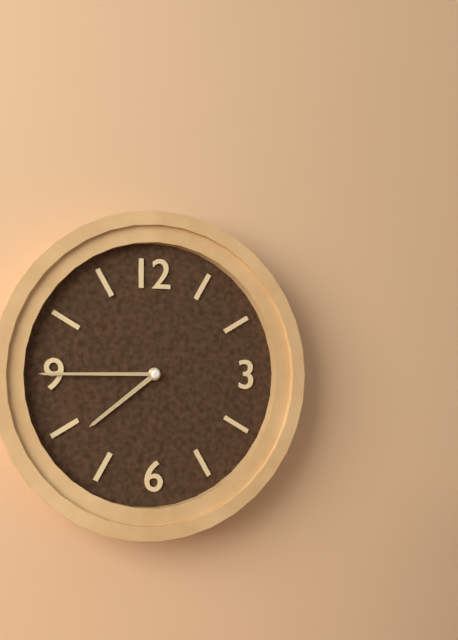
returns 7,45
